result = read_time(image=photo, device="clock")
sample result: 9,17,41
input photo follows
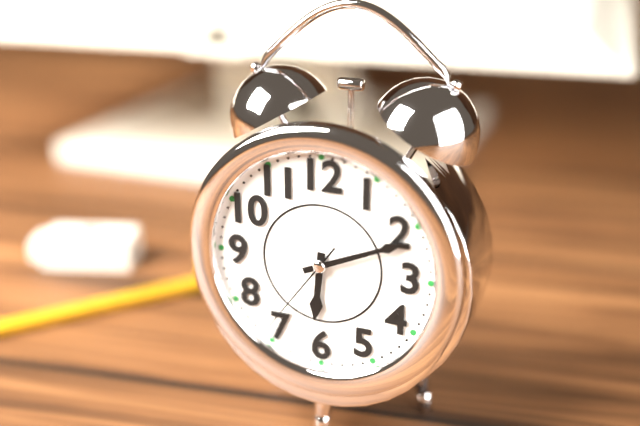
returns 6,11,36
